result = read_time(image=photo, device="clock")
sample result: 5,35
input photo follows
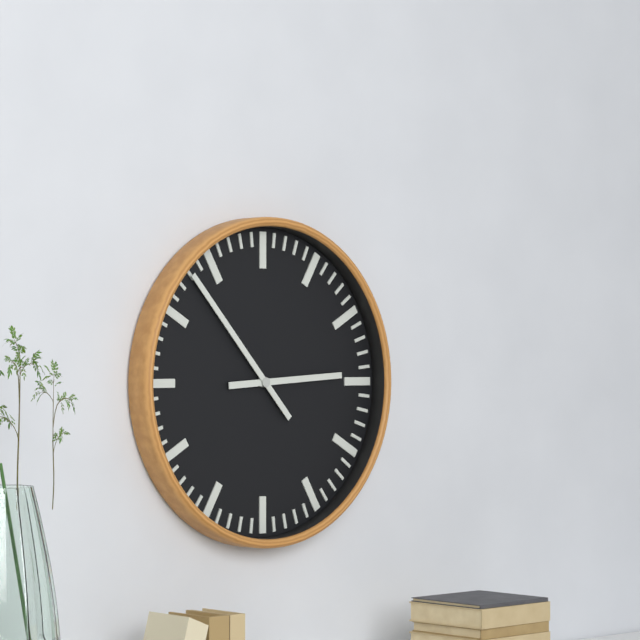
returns 2,53
